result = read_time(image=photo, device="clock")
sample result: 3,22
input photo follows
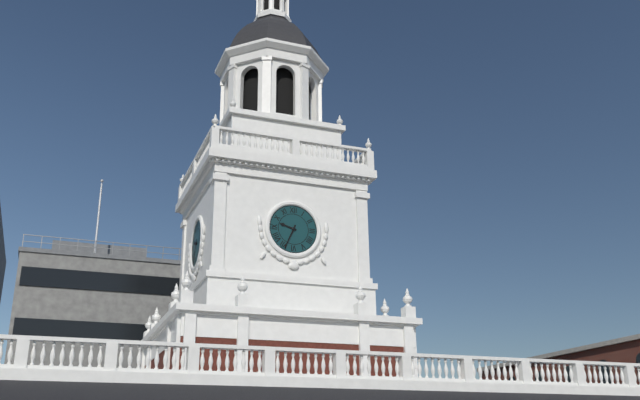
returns 9,34
